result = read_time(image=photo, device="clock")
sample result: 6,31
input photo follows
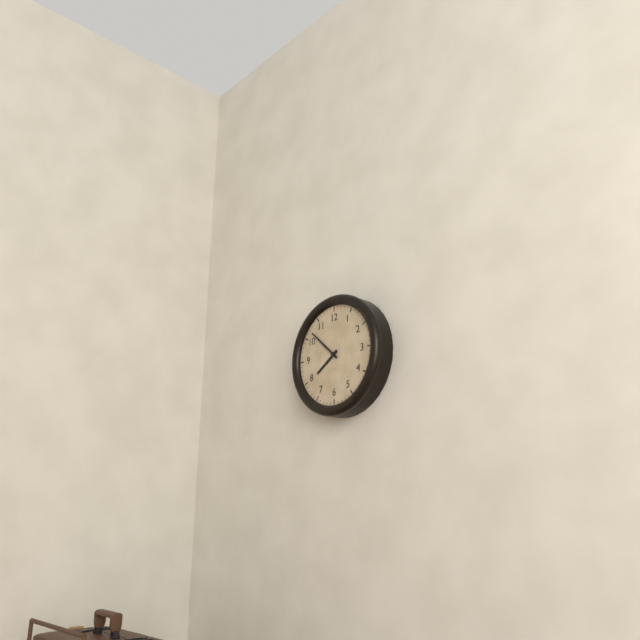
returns 7,52
